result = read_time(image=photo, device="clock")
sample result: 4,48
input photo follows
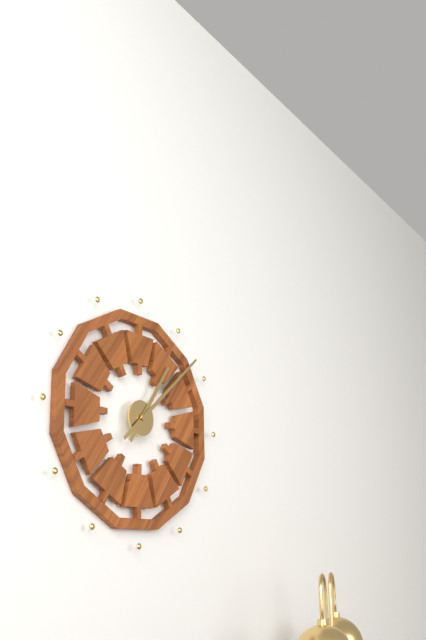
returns 1,08
